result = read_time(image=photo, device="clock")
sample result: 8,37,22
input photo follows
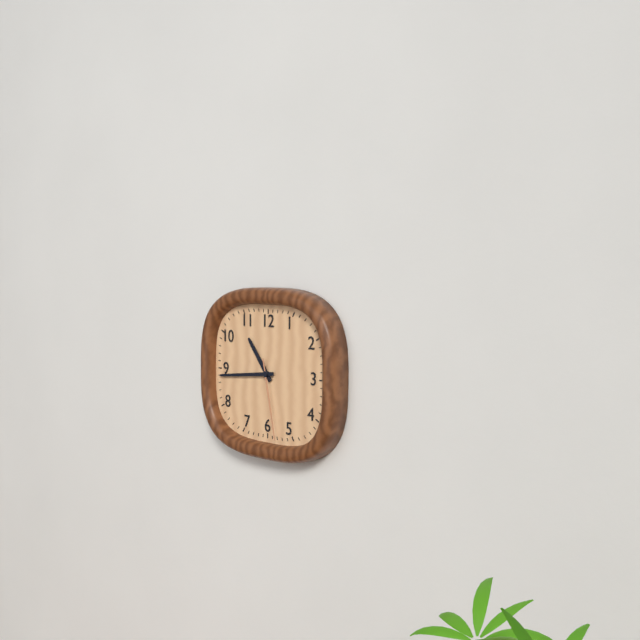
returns 10,44,28
